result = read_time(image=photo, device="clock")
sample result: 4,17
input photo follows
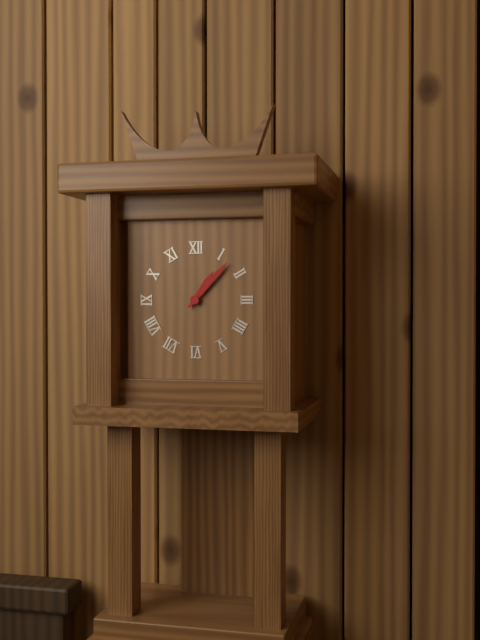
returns 1,07
